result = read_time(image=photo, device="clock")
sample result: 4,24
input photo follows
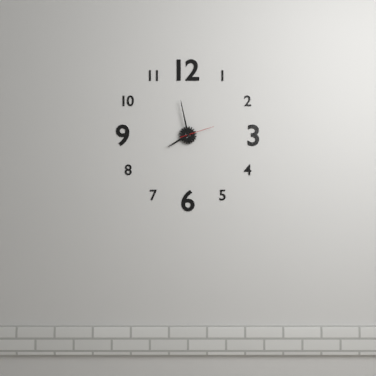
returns 7,58
